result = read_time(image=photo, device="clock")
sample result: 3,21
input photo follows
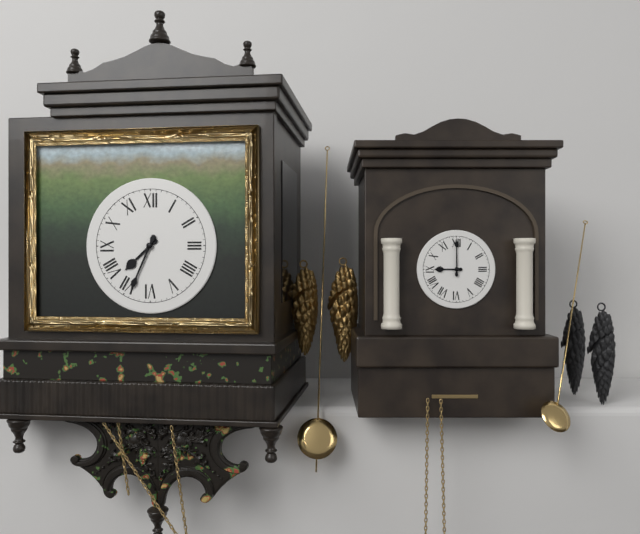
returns 7,34
